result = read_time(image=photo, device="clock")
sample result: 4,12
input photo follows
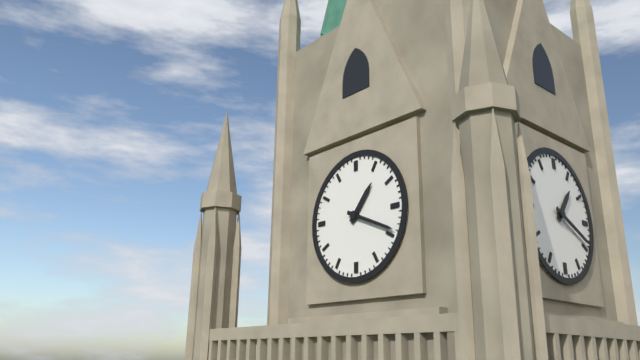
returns 1,19
